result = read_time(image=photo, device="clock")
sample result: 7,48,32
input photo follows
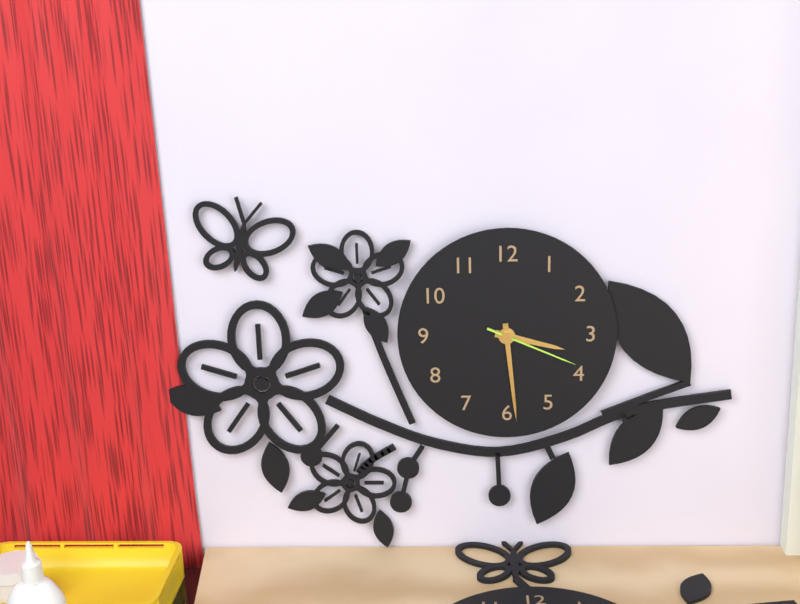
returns 3,29,19
